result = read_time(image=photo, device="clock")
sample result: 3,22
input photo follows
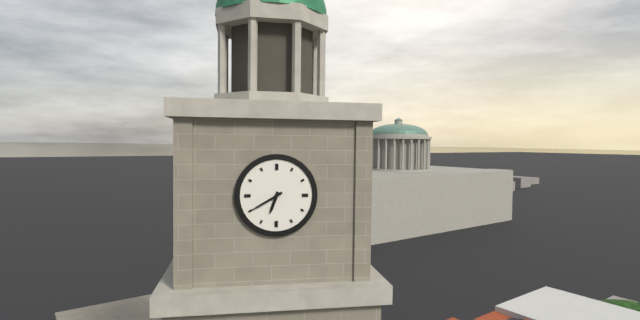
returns 6,40
